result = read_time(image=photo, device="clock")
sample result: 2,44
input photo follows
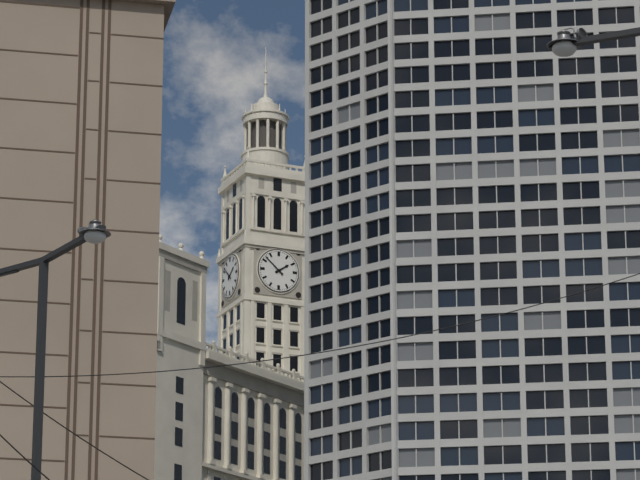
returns 1,52
